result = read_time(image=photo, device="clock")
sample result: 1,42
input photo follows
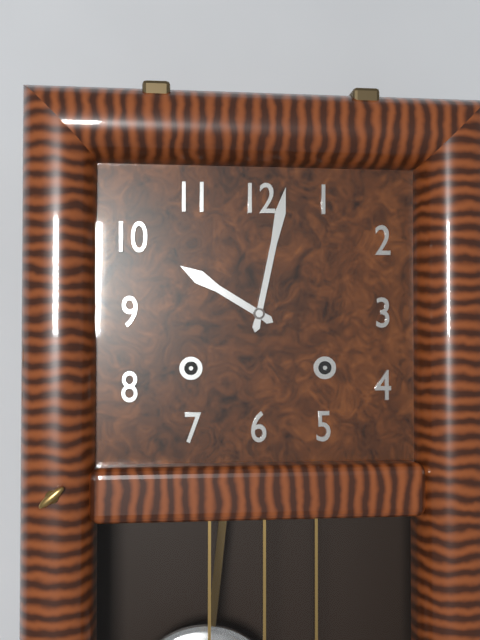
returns 10,02
